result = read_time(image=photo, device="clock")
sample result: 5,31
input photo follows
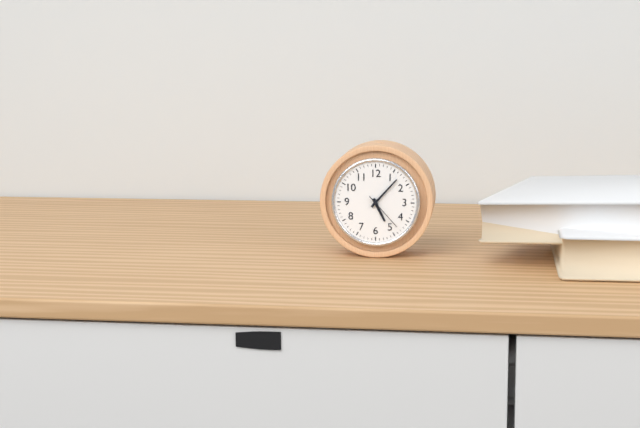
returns 5,07
